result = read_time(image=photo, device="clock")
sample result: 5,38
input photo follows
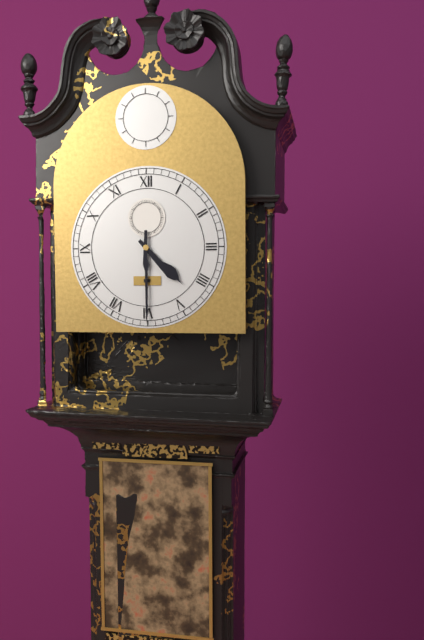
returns 4,30
